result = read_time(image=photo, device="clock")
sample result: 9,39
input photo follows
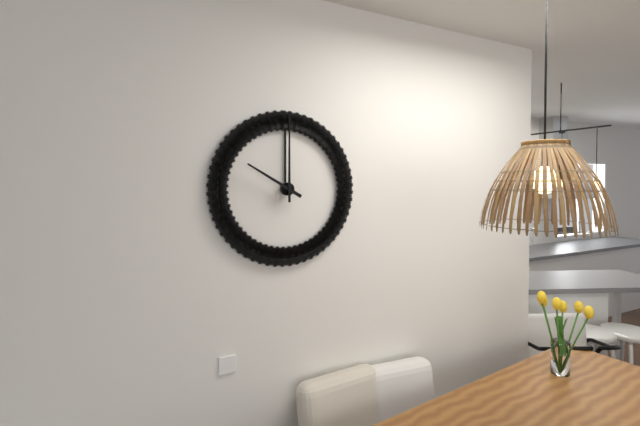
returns 10,00
